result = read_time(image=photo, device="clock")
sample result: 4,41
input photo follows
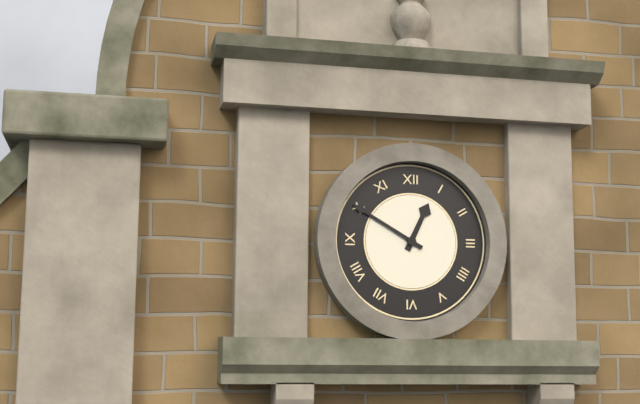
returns 12,50
